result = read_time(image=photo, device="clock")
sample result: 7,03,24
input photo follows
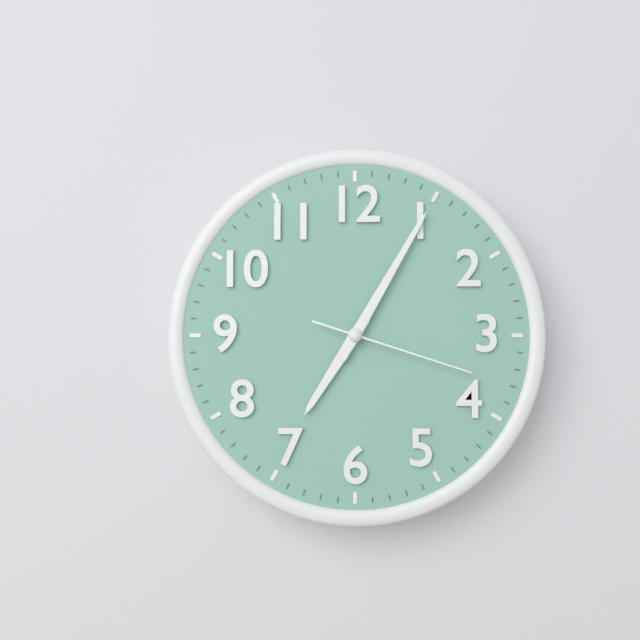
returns 7,05,18
